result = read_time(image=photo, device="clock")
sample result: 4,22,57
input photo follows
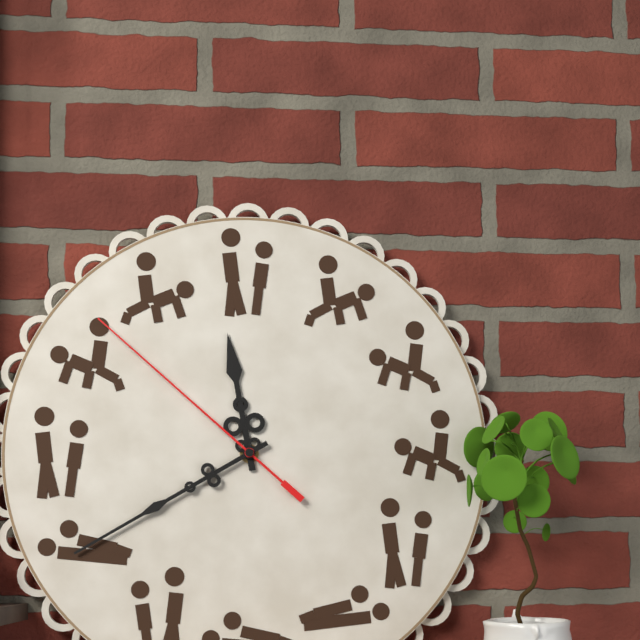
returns 11,40,52
